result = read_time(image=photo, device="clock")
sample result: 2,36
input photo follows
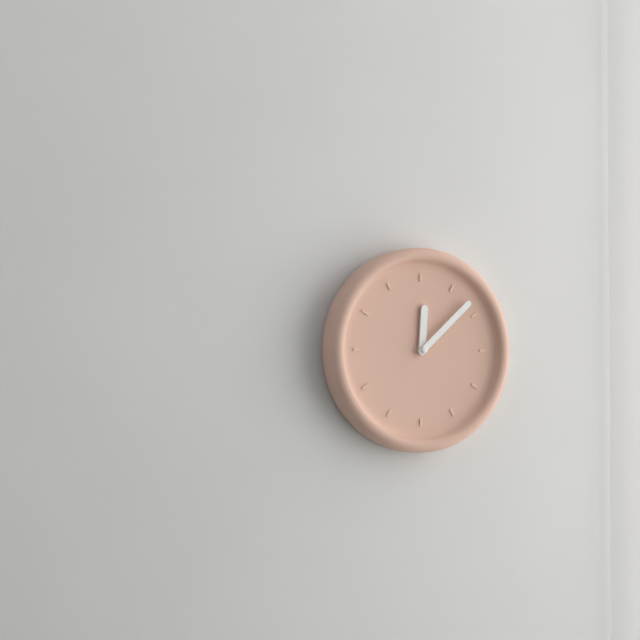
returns 12,08
